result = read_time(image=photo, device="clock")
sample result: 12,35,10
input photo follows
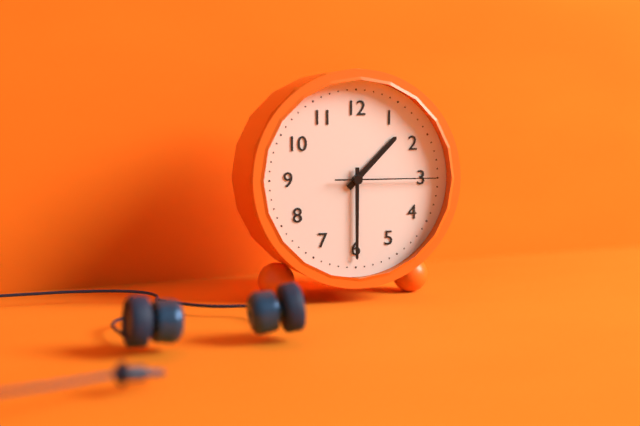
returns 1,30,15
